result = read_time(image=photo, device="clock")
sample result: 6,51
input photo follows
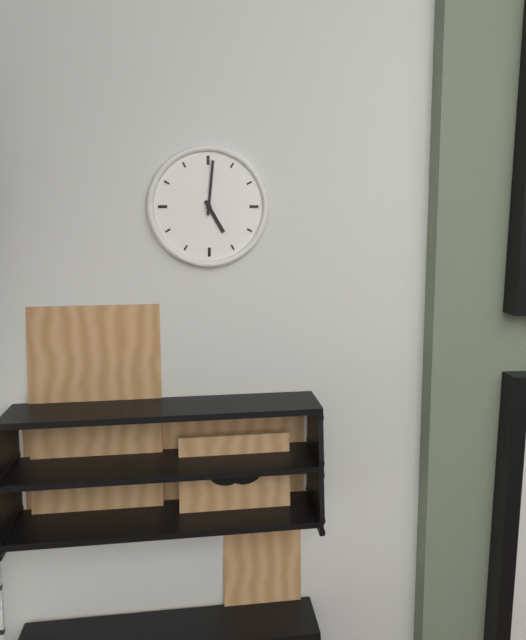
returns 5,01
